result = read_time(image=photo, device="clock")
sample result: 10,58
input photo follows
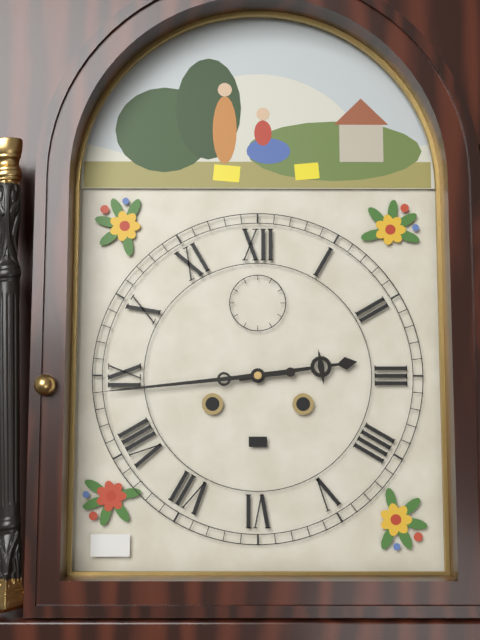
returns 2,44
